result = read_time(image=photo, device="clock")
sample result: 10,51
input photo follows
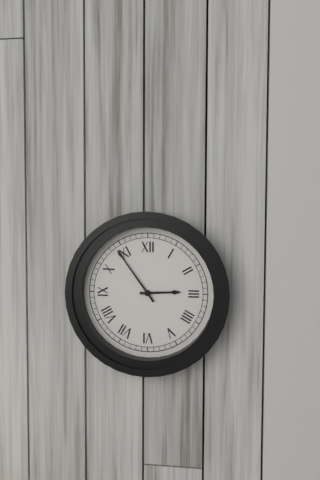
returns 2,54
